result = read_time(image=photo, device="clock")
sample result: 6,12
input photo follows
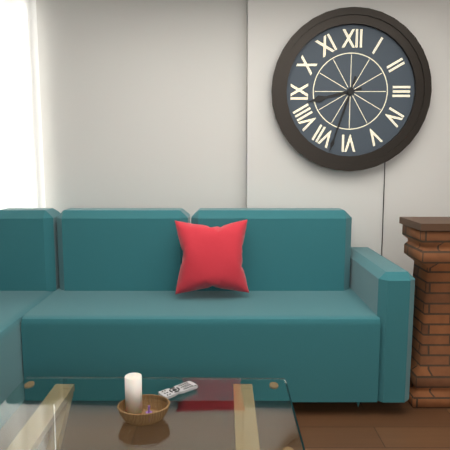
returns 8,33
